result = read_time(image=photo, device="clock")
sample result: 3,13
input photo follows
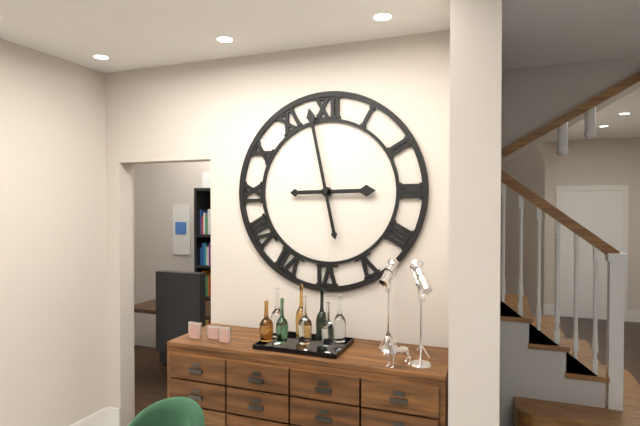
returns 2,58
